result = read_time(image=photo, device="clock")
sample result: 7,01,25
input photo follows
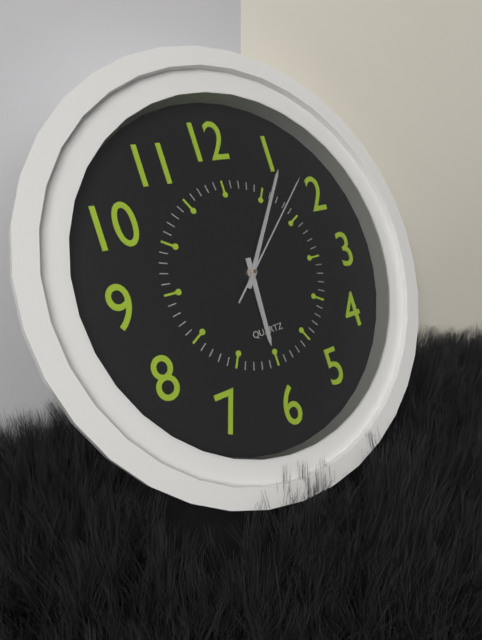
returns 6,06,08
